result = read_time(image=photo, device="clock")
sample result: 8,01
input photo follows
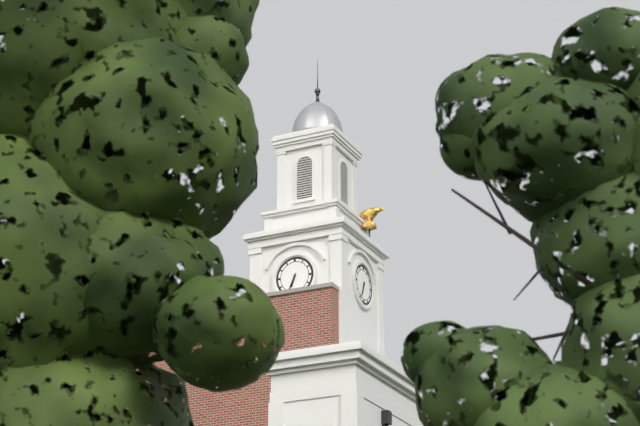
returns 6,34
